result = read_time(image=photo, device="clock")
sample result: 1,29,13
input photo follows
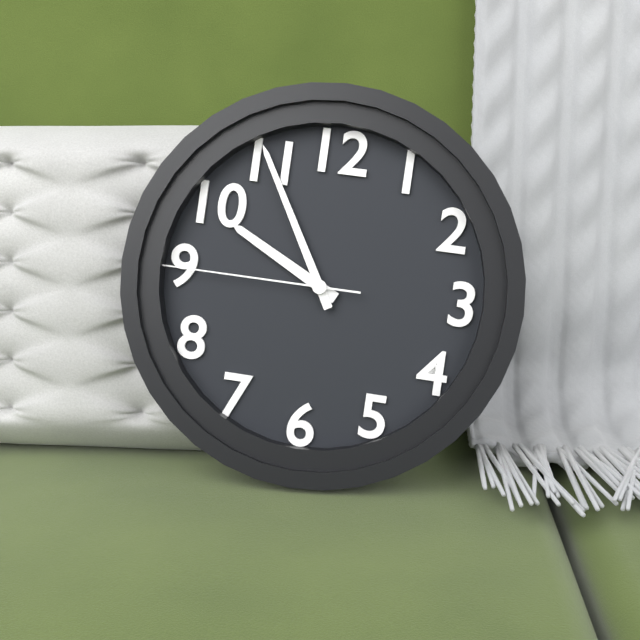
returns 9,55,45
